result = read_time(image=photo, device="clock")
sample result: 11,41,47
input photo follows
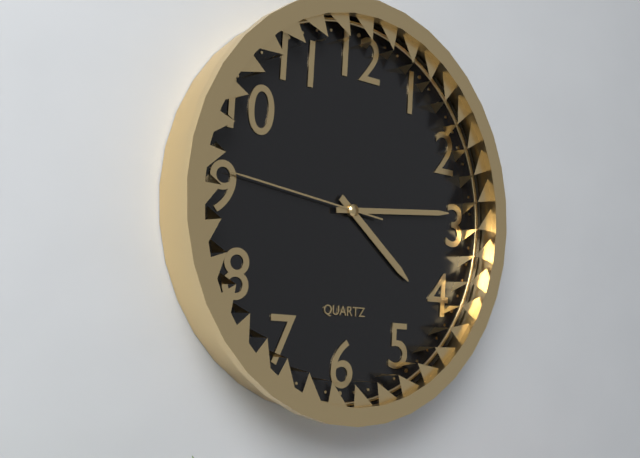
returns 4,14,46
